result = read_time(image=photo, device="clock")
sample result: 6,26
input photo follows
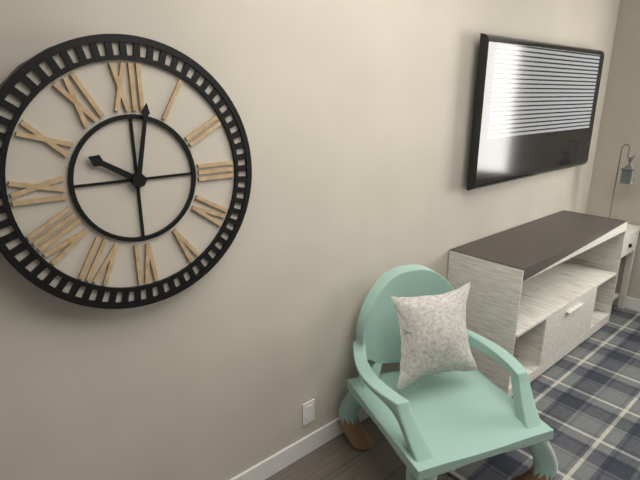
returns 10,02
